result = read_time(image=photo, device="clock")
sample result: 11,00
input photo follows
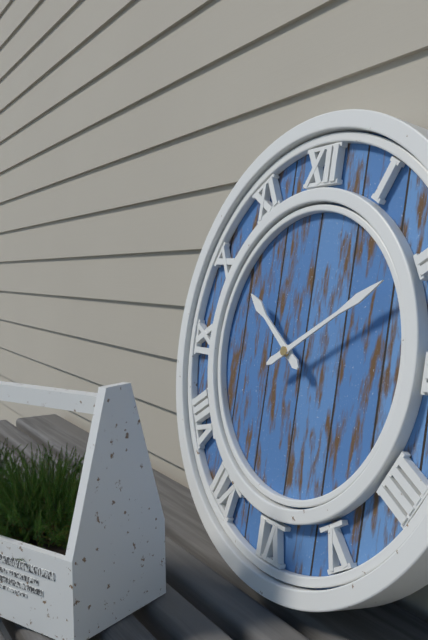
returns 10,10
